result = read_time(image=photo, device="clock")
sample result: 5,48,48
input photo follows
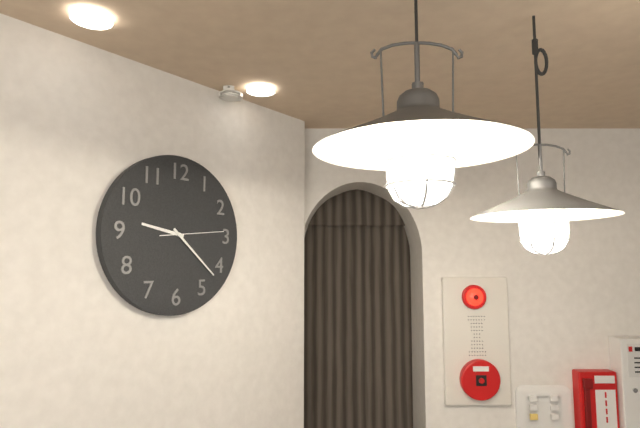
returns 9,22,14
